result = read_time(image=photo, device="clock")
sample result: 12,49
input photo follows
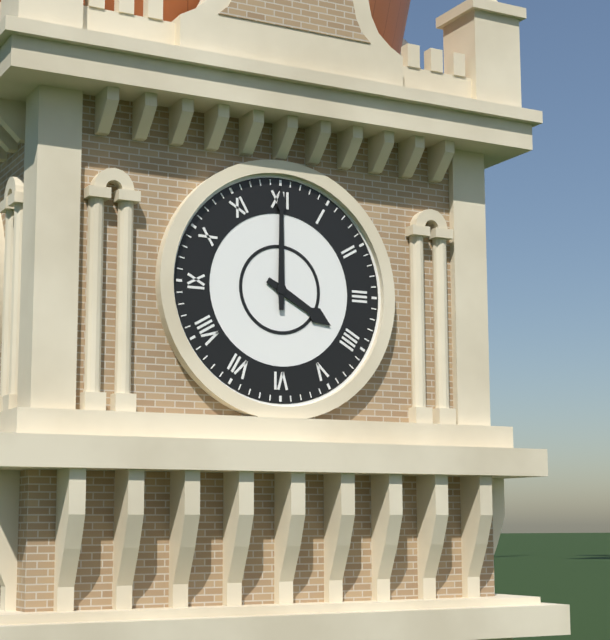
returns 4,00
